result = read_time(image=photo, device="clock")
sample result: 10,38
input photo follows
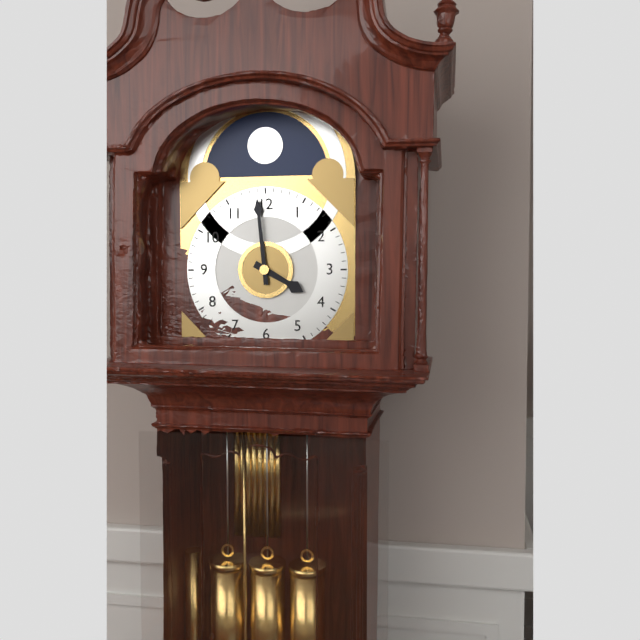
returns 3,59
